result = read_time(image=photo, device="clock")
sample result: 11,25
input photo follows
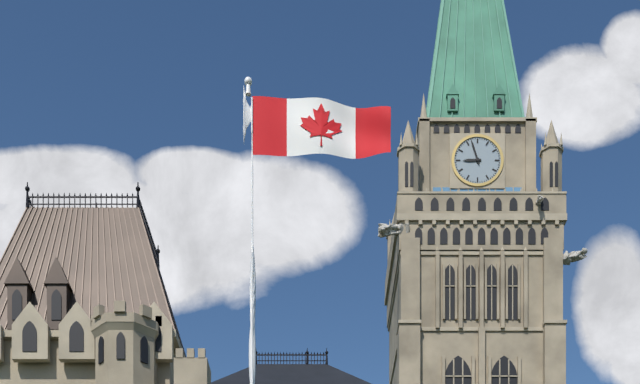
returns 8,57
